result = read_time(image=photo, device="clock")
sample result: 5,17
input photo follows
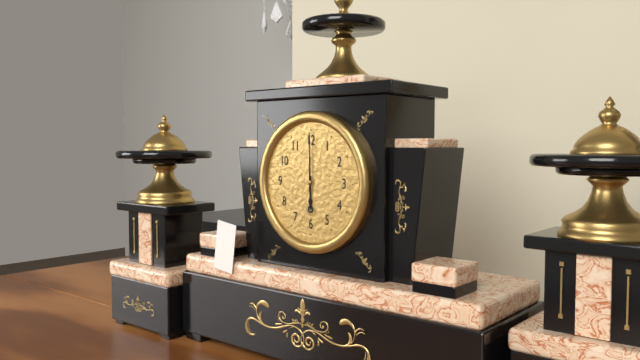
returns 6,00
